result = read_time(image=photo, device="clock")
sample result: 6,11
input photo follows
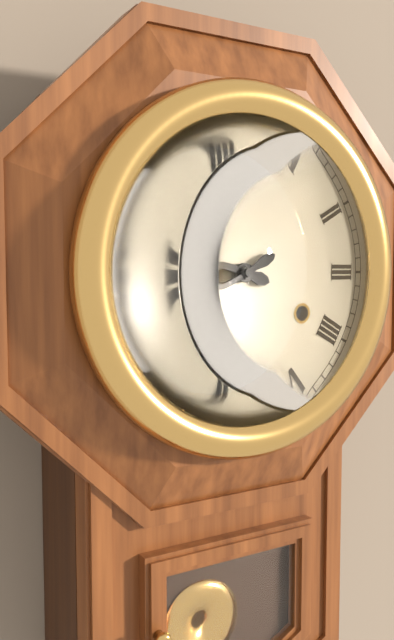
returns 9,40
